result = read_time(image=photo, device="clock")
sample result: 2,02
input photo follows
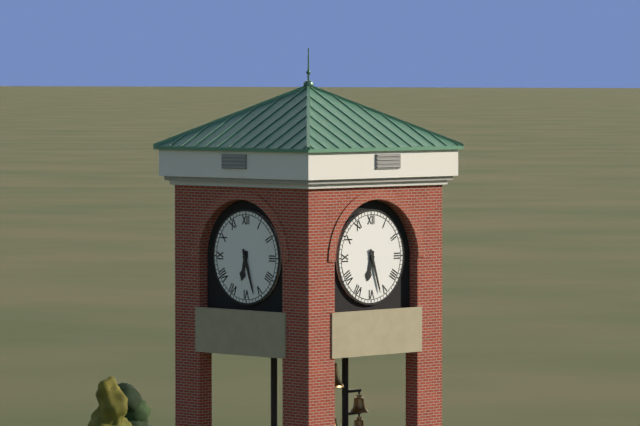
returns 6,27
